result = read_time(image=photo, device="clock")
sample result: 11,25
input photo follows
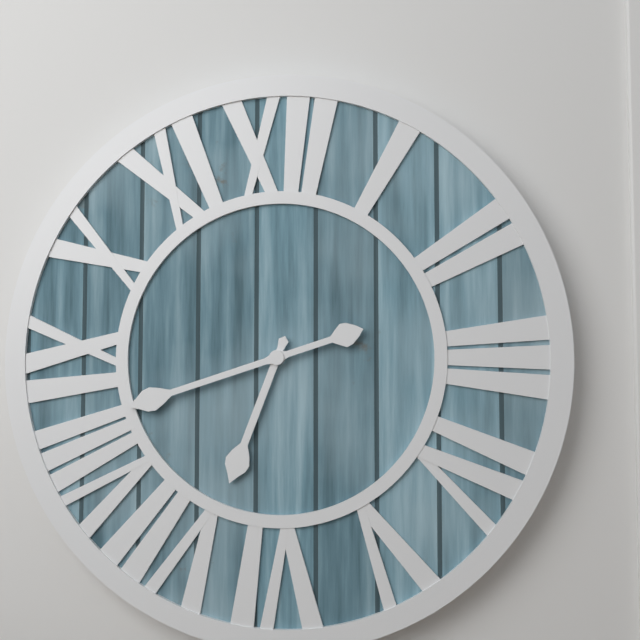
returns 6,42
